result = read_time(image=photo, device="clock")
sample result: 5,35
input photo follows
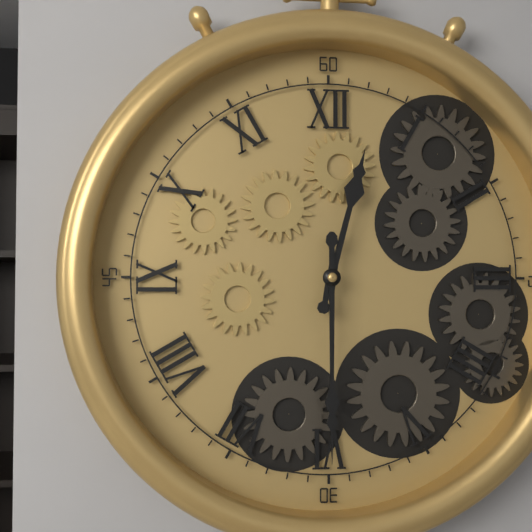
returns 12,30
